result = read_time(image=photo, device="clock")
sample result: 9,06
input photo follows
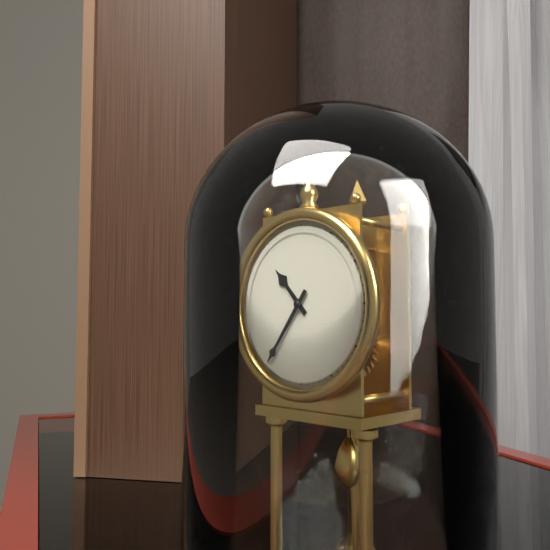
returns 10,36
